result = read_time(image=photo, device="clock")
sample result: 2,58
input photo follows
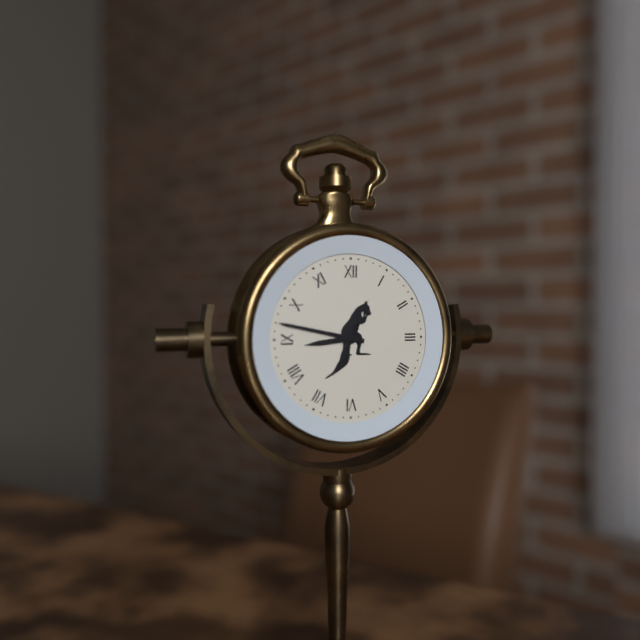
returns 8,47
